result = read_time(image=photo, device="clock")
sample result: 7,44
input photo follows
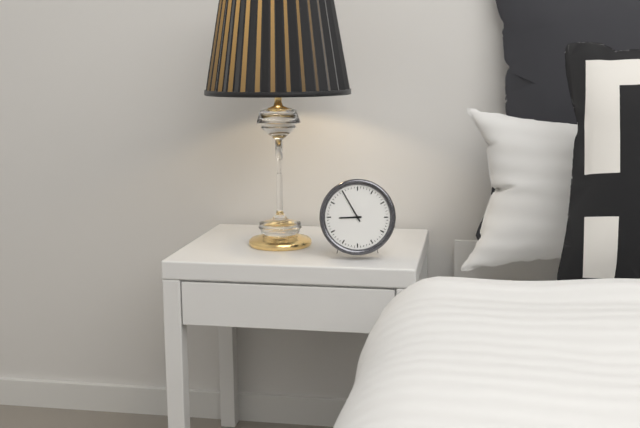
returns 8,55
